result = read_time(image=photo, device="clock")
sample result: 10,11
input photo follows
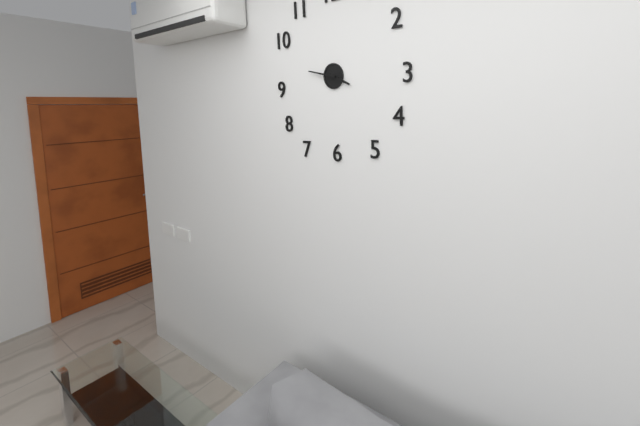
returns 3,47
